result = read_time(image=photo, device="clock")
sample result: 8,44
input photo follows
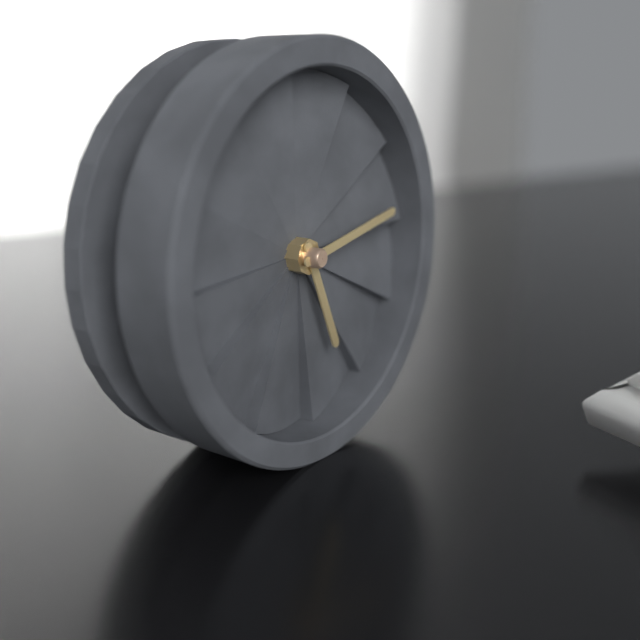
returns 5,13
